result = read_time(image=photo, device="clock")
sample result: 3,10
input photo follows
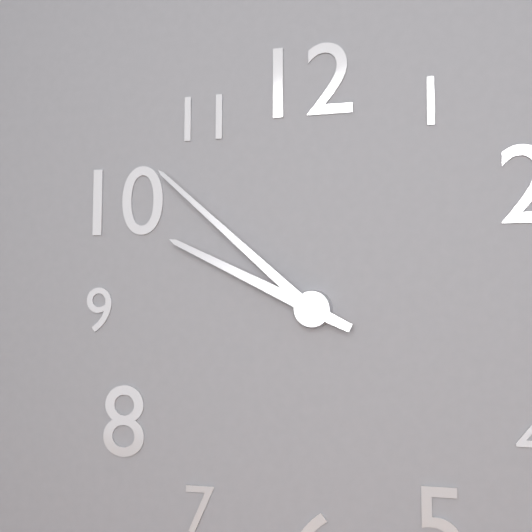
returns 9,52
